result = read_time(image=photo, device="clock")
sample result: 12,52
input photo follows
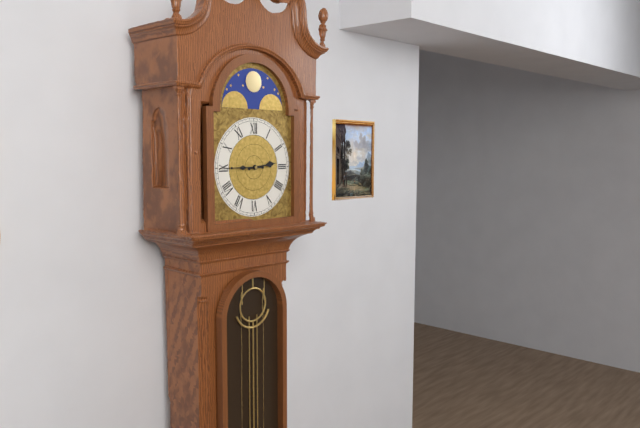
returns 2,45
